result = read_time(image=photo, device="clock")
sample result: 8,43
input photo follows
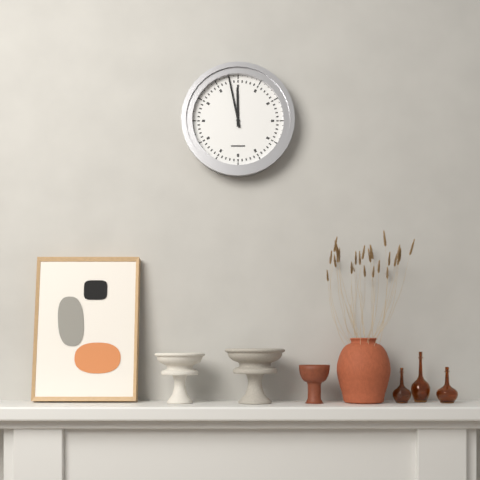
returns 11,58
